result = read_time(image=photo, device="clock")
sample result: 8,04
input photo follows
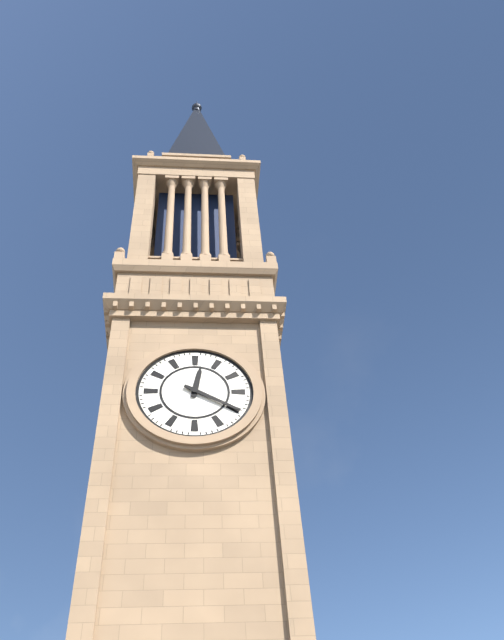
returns 12,20
